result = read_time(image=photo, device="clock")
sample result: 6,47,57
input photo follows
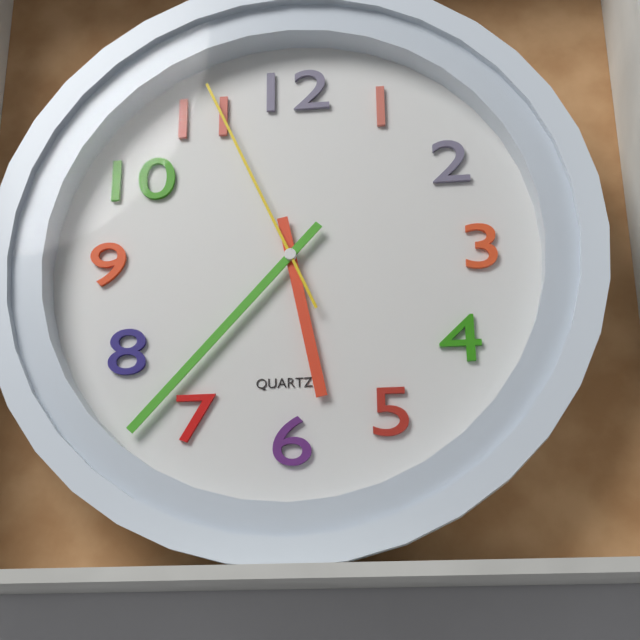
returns 5,37,56
